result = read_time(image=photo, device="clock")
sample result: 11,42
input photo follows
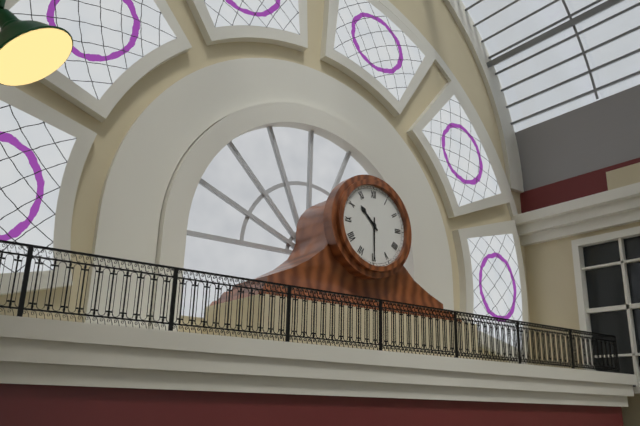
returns 10,30
